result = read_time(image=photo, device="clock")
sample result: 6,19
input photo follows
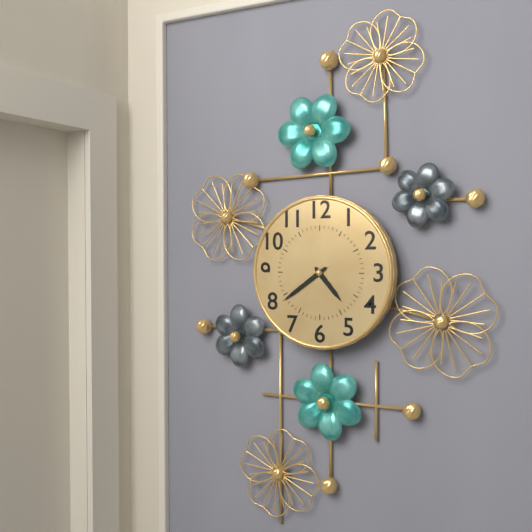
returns 4,39
